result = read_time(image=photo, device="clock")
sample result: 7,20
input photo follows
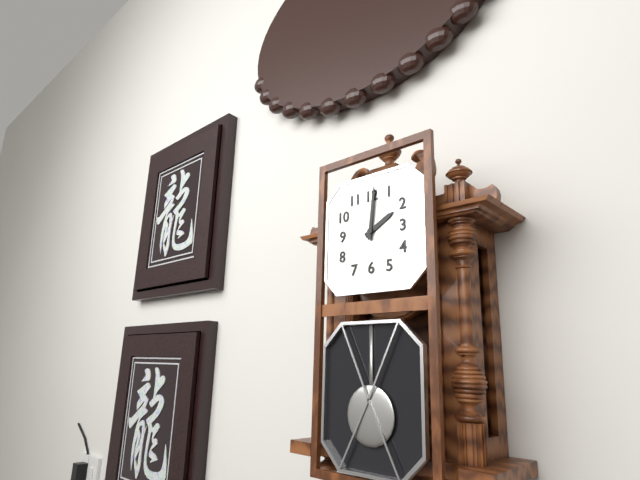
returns 2,01
